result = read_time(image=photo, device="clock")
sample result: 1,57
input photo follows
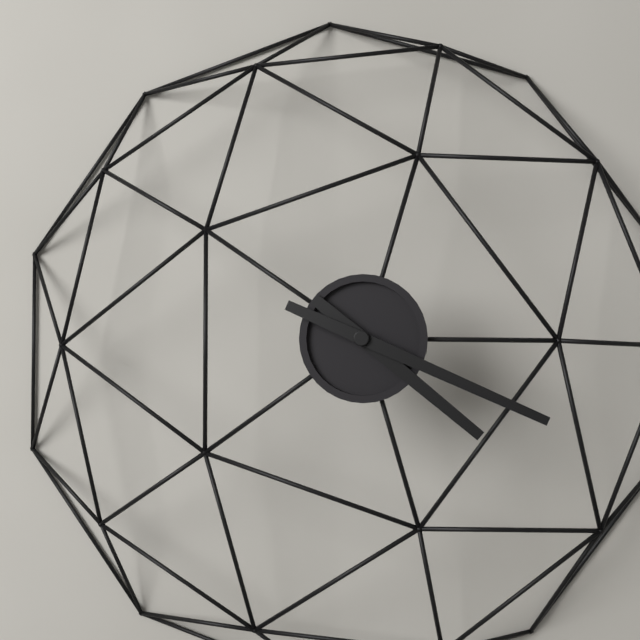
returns 4,19
